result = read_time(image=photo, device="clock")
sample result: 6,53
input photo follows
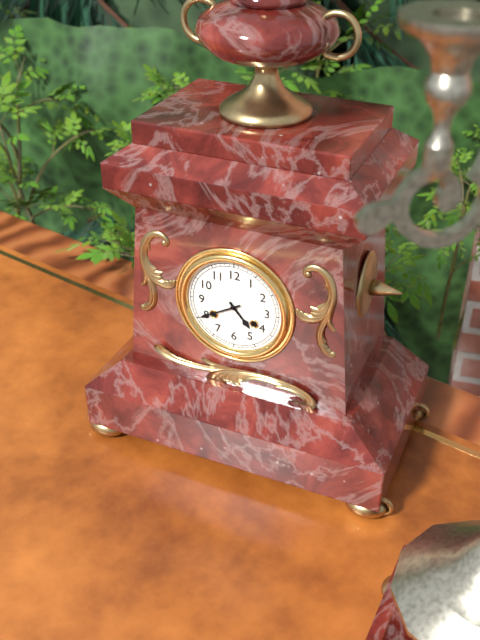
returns 4,40
